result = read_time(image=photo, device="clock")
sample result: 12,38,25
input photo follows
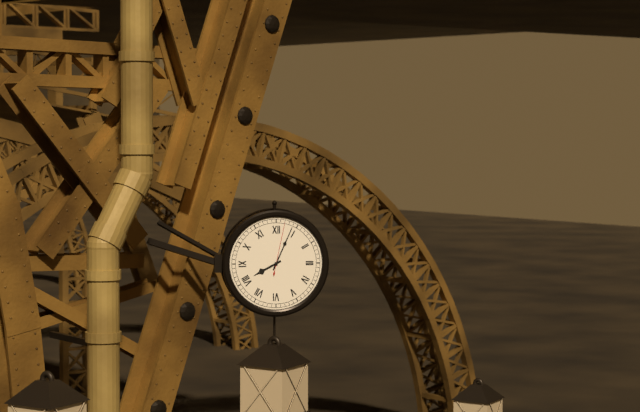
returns 8,04,02
